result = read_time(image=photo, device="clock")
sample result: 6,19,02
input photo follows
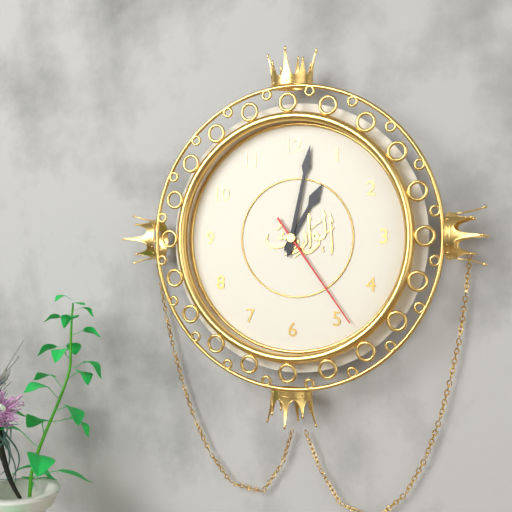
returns 1,02,24
